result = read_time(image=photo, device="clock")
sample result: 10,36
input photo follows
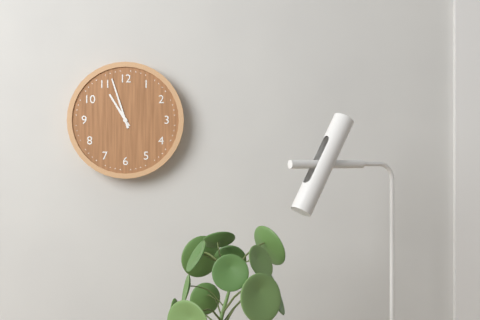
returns 10,57
